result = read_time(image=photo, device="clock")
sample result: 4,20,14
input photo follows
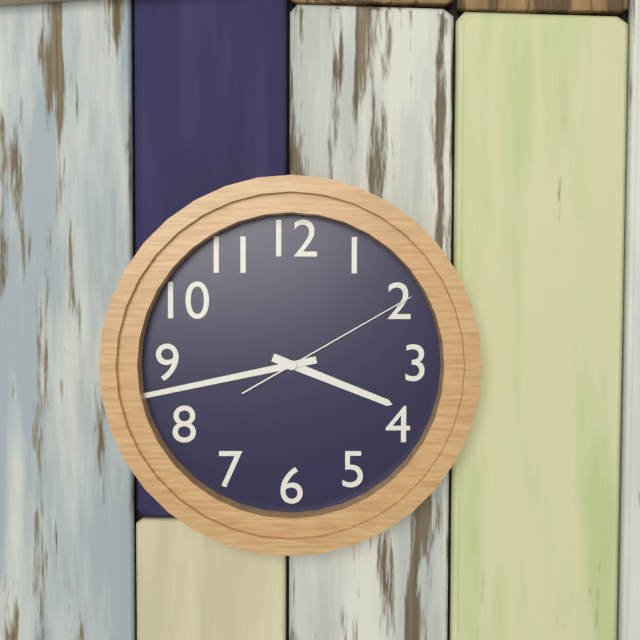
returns 3,43,10
